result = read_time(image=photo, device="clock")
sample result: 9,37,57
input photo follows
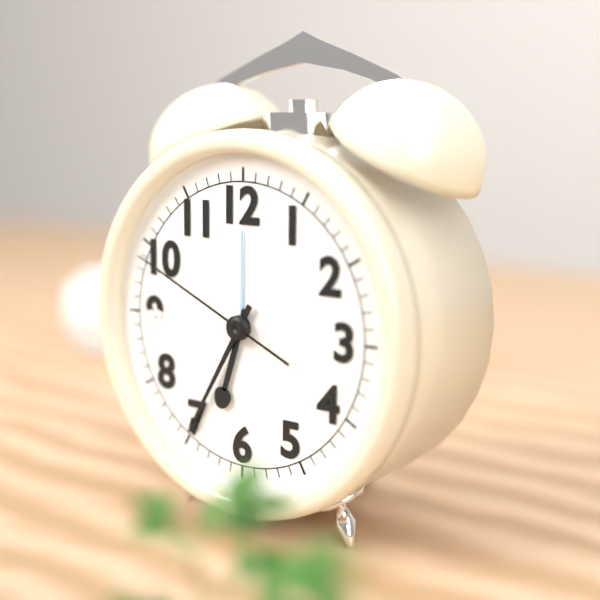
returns 6,35,49
